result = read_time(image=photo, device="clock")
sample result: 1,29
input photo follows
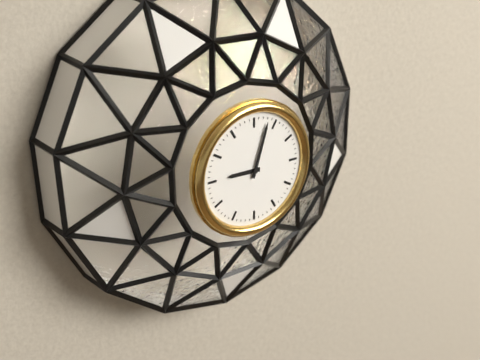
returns 9,03
